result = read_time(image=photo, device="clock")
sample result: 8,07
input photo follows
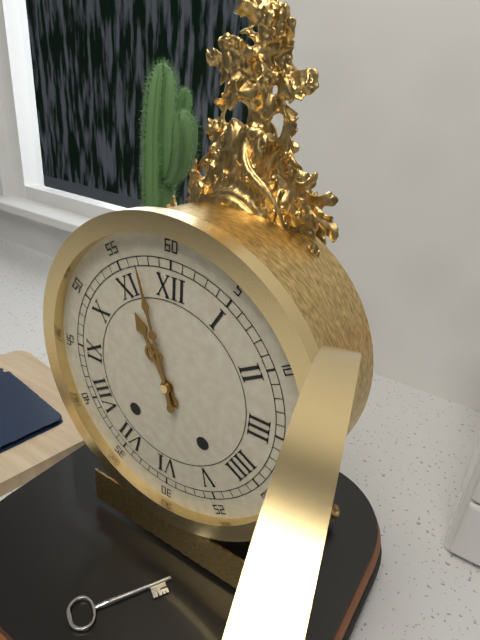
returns 10,57
